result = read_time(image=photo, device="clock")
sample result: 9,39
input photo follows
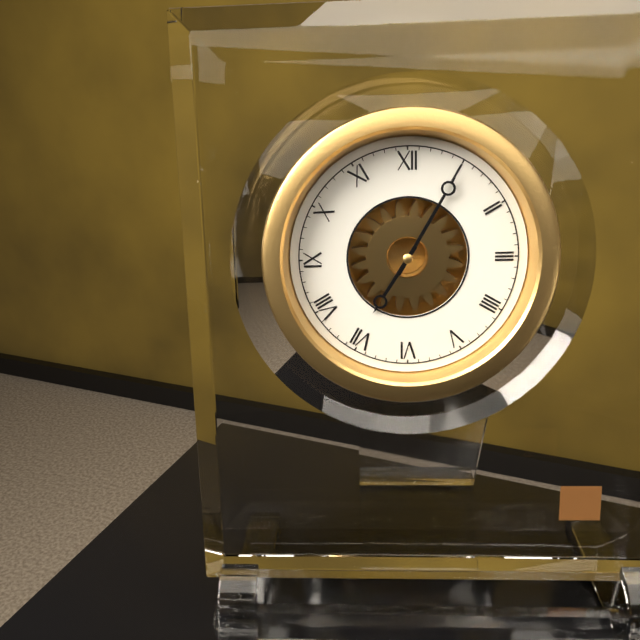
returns 7,05
